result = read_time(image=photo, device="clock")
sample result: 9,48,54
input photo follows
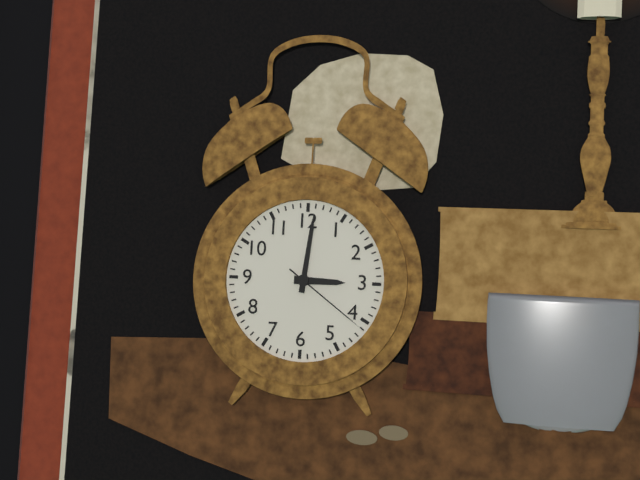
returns 3,01,21
